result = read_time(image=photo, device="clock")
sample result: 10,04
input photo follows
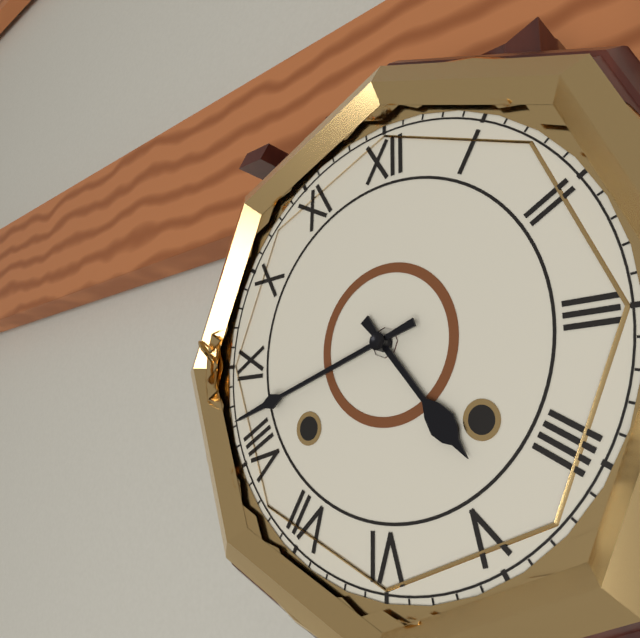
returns 4,42
